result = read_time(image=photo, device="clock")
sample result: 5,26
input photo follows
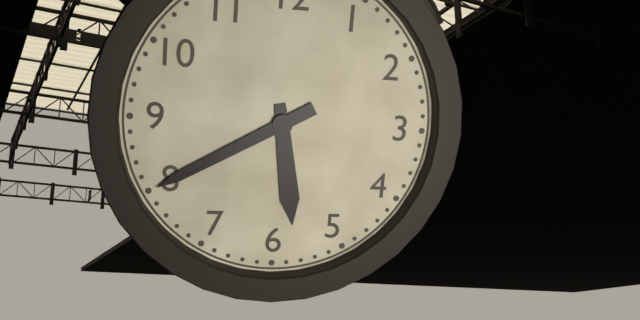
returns 5,40
